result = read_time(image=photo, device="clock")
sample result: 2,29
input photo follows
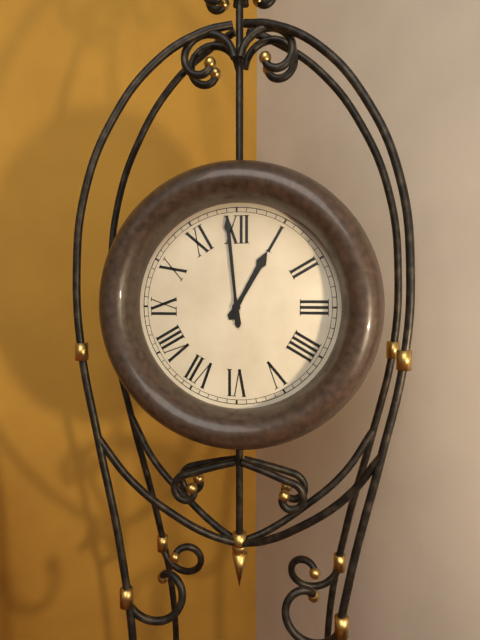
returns 12,59
